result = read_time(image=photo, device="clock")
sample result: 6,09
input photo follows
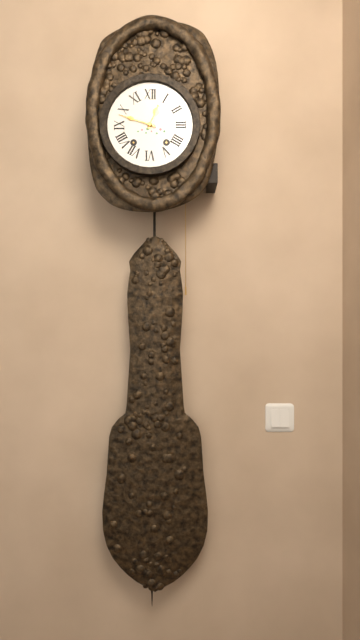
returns 12,48
